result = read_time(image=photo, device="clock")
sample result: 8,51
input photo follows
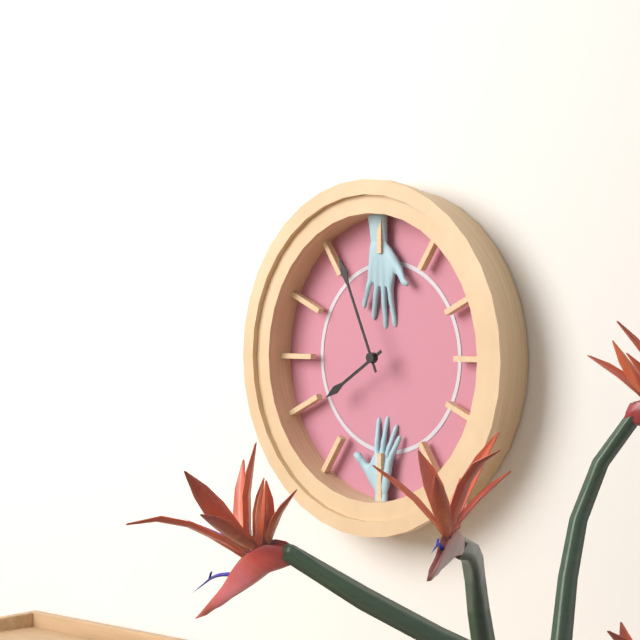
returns 7,56
